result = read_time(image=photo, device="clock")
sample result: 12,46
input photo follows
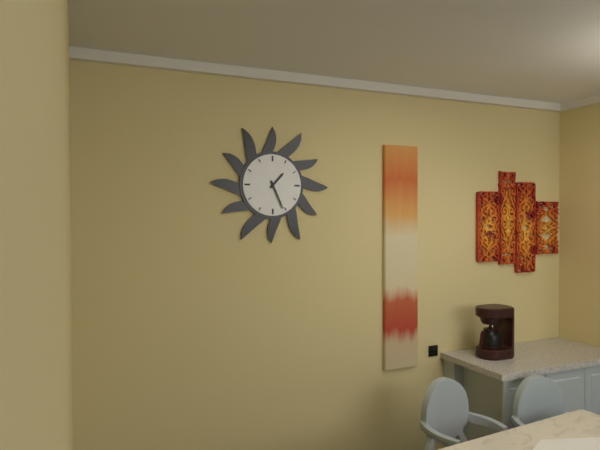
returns 1,26
